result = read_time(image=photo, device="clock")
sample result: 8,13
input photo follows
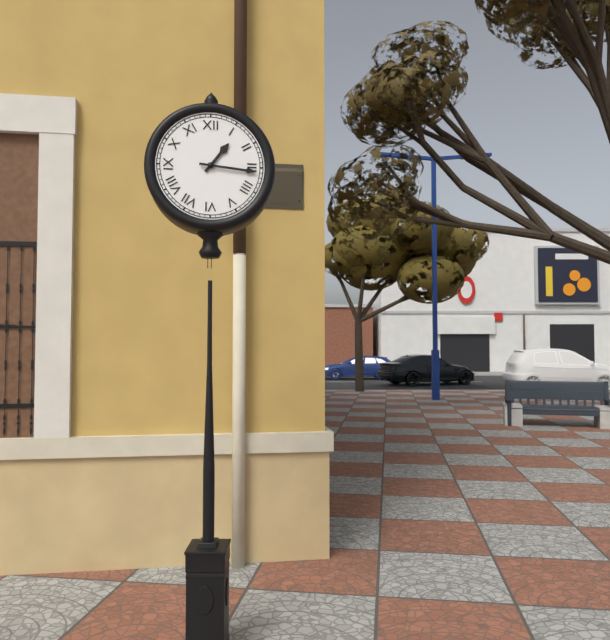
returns 1,16
